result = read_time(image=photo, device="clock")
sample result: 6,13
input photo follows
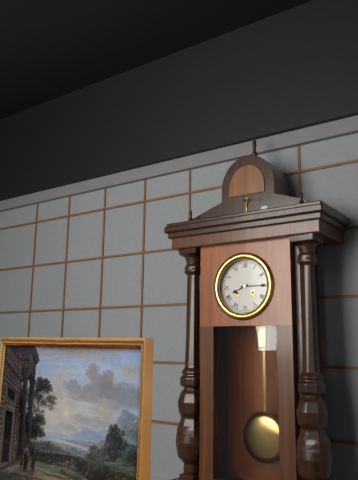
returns 8,15
